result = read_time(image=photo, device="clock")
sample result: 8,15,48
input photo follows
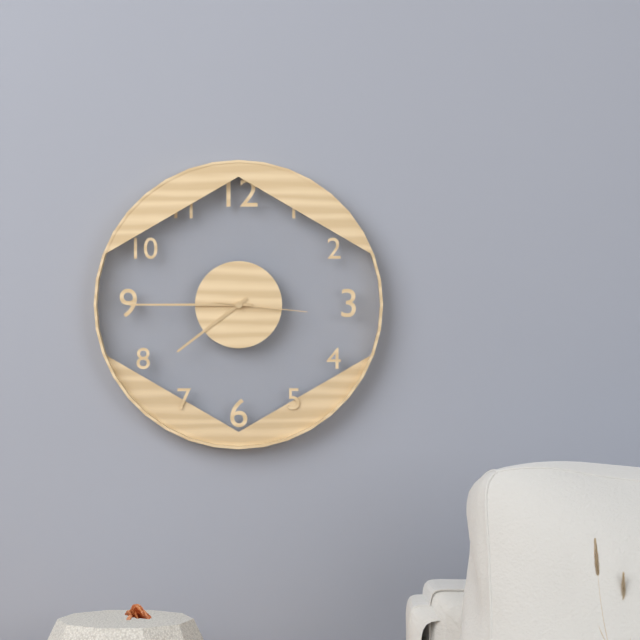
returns 7,45,16
